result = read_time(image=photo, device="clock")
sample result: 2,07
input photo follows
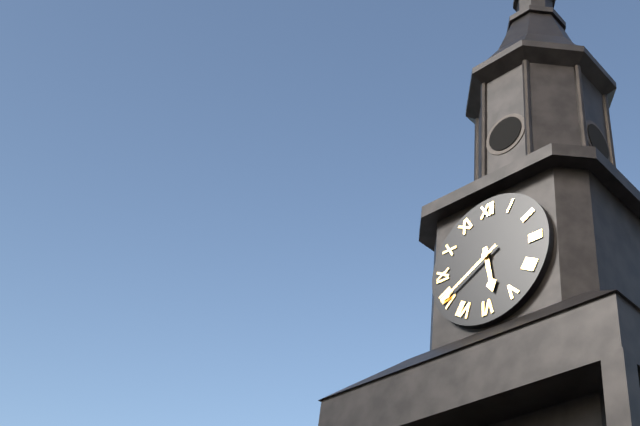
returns 5,40
